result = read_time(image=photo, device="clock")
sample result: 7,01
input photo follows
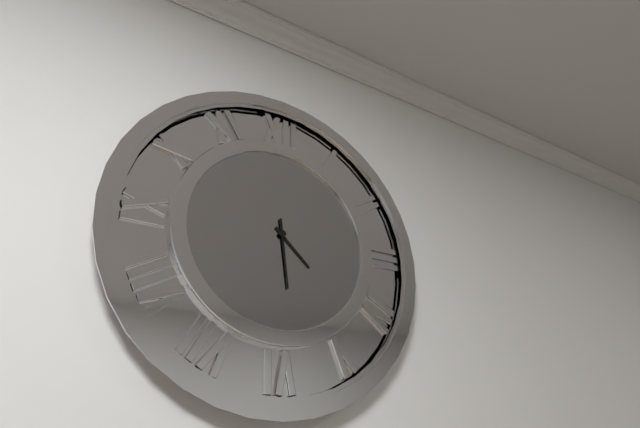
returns 4,29
